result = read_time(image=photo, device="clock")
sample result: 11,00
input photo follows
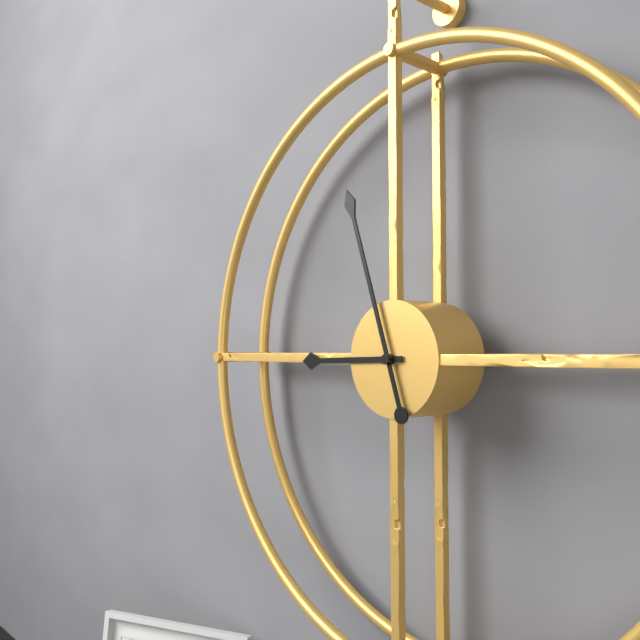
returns 8,57
